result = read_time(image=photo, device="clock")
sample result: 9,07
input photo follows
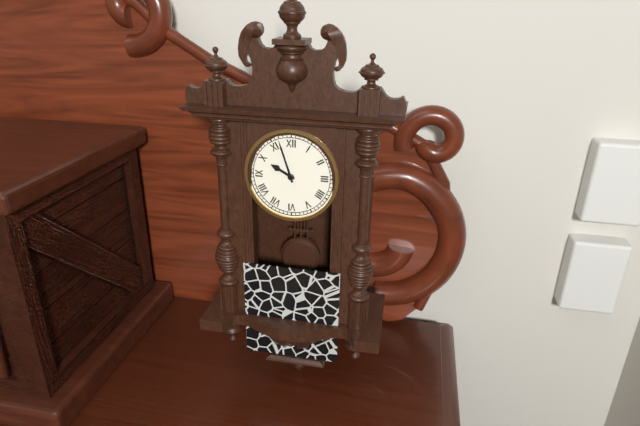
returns 9,57
